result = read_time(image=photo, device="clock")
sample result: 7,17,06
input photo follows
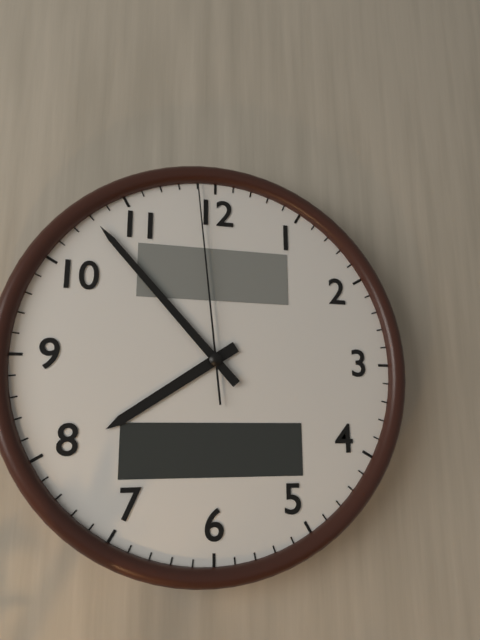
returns 7,53,59
